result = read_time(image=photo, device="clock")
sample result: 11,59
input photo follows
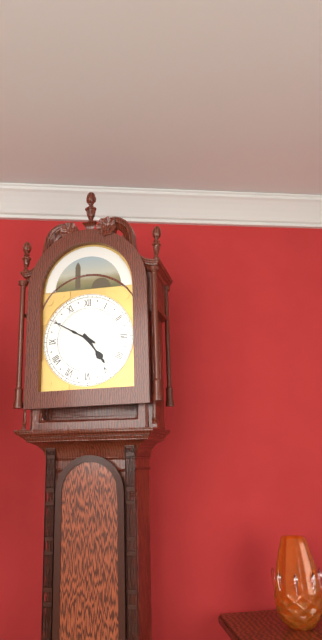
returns 4,50
